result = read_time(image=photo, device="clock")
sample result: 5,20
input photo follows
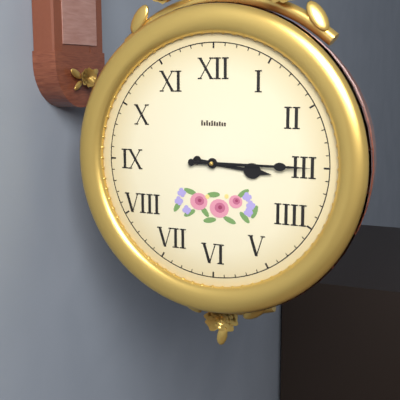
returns 3,15
